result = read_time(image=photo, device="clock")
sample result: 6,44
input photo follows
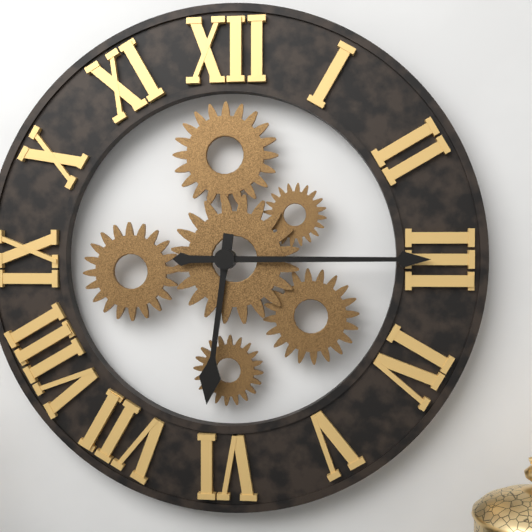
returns 6,15
